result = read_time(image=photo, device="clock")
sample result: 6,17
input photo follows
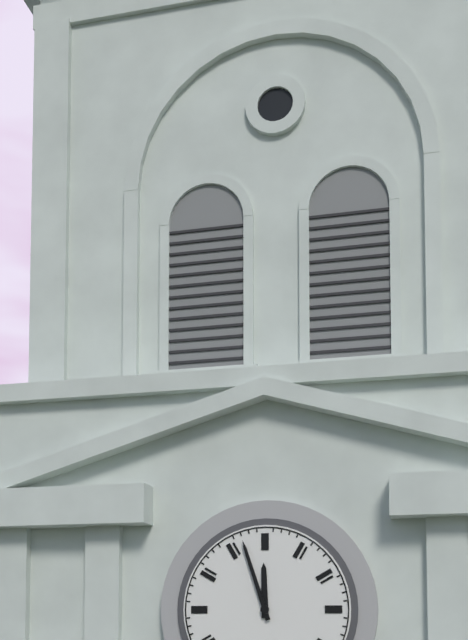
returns 11,57
